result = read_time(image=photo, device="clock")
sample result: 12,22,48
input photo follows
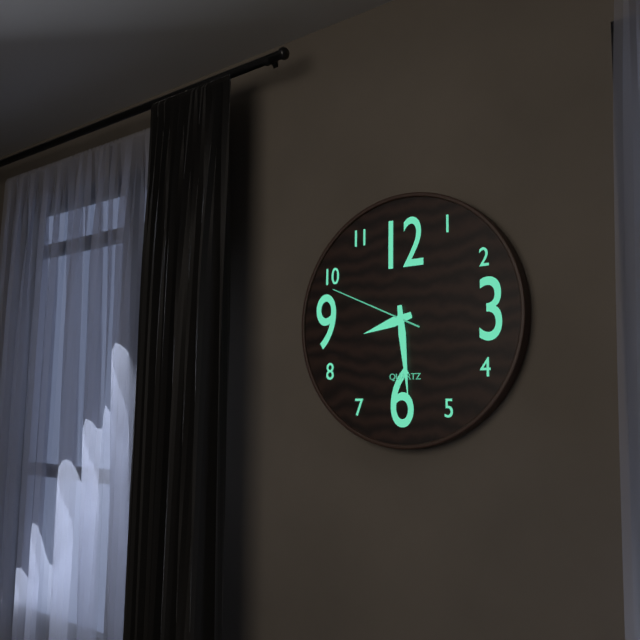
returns 8,29,49
